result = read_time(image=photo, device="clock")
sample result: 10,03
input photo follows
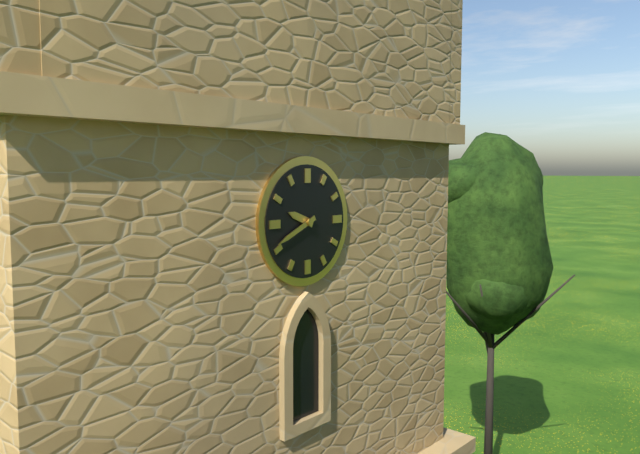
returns 9,41
